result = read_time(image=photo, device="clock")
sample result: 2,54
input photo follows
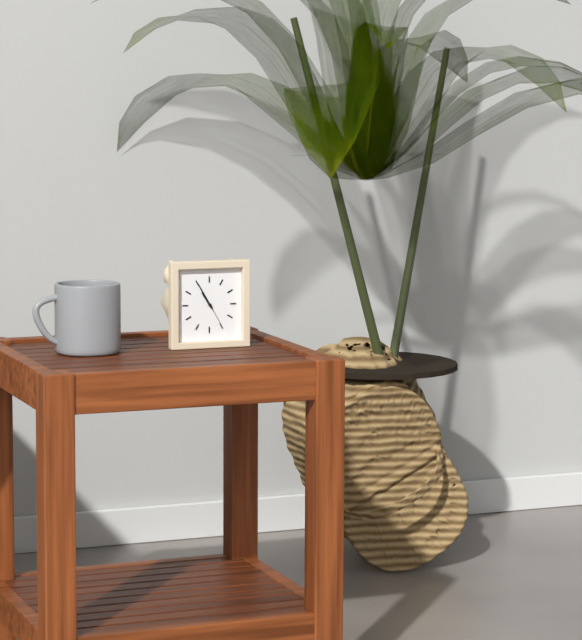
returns 10,55
